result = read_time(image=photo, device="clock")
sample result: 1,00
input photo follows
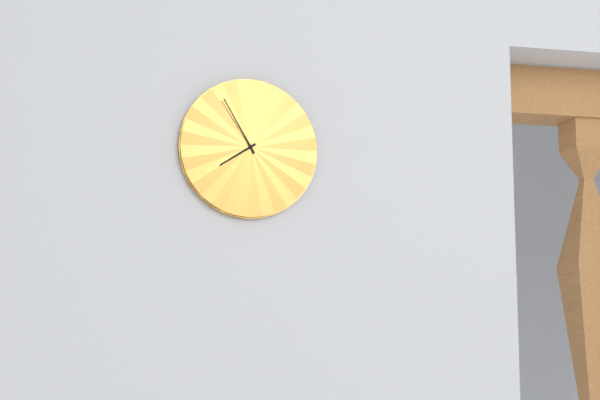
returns 7,55
